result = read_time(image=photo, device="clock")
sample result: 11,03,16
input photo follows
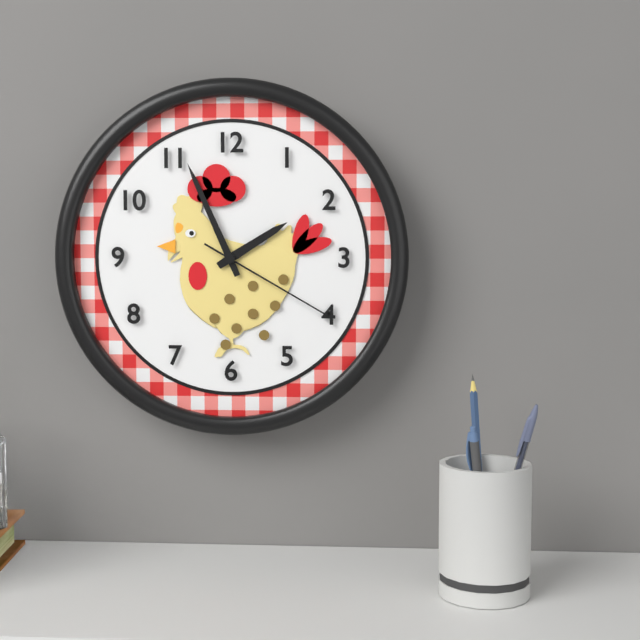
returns 1,56,20
